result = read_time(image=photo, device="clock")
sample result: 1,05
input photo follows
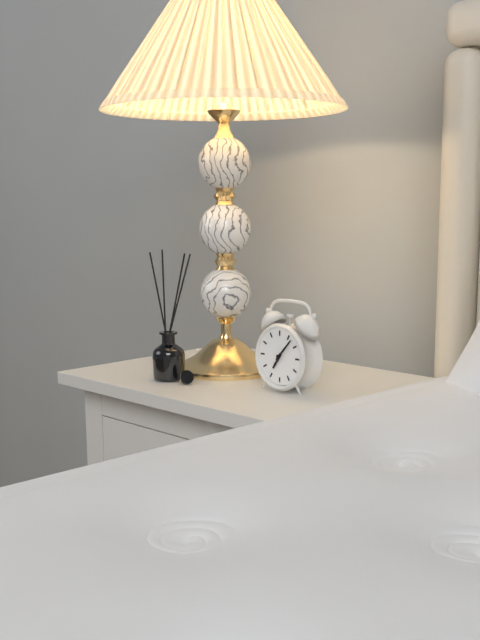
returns 7,07
